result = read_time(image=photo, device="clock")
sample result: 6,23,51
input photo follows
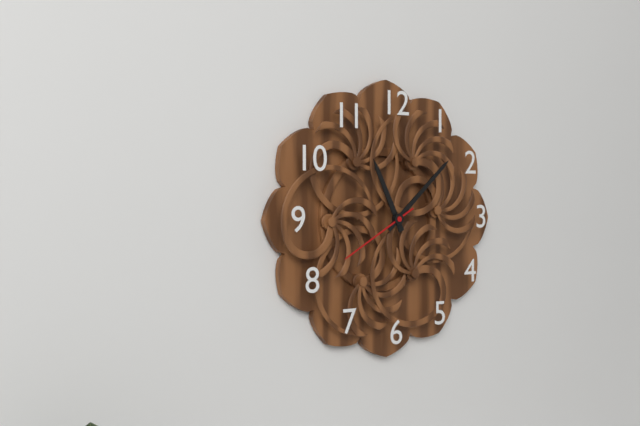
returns 11,08,40
